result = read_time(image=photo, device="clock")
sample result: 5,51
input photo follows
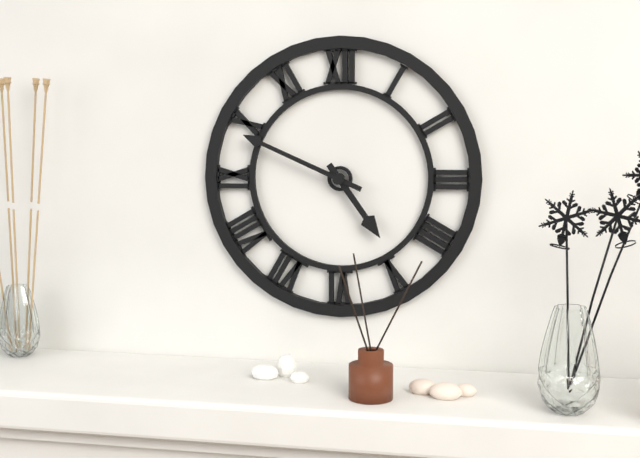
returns 4,49
